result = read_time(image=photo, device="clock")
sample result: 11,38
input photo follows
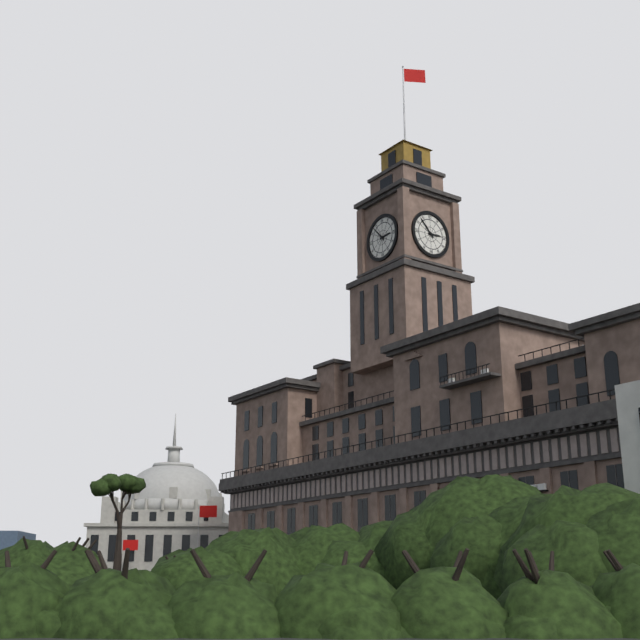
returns 2,53
